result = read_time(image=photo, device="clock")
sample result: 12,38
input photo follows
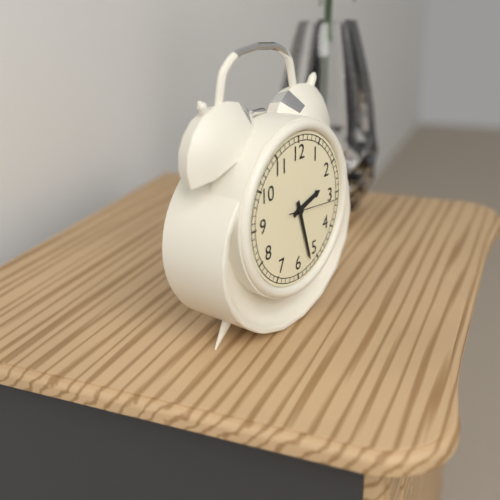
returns 2,27
